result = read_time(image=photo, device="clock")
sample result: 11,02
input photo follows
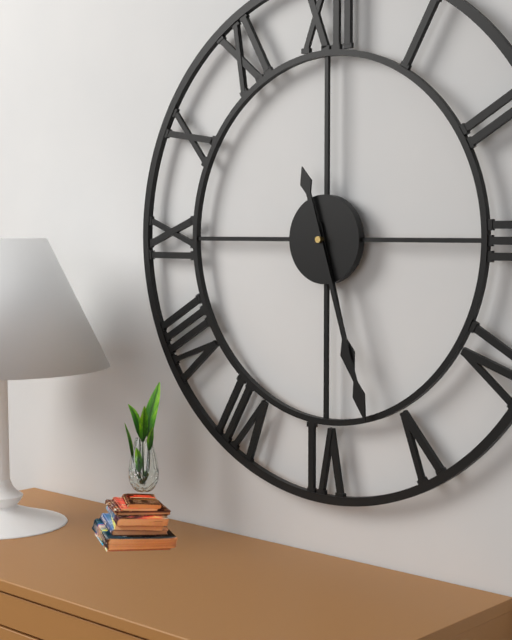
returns 5,27
